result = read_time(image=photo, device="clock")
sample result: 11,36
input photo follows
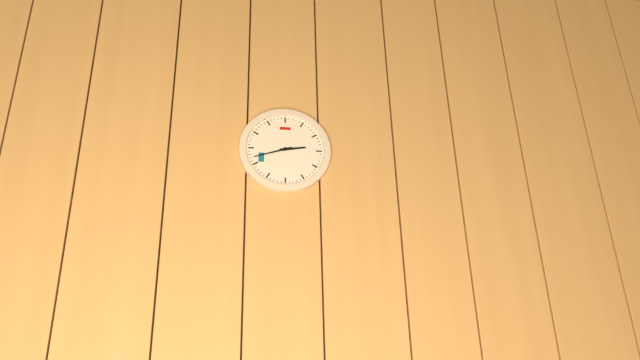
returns 2,42
